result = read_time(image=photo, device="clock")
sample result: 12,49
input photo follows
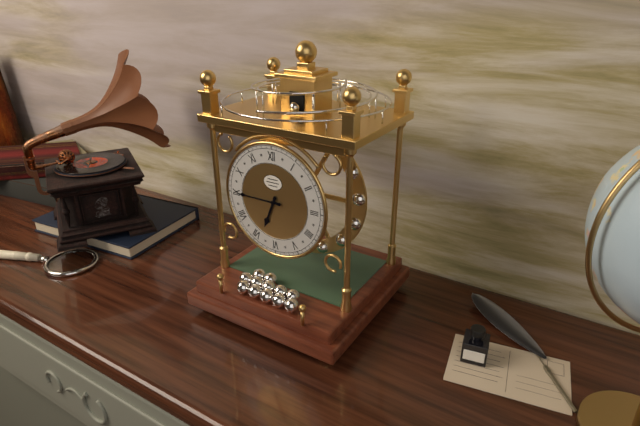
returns 6,45
